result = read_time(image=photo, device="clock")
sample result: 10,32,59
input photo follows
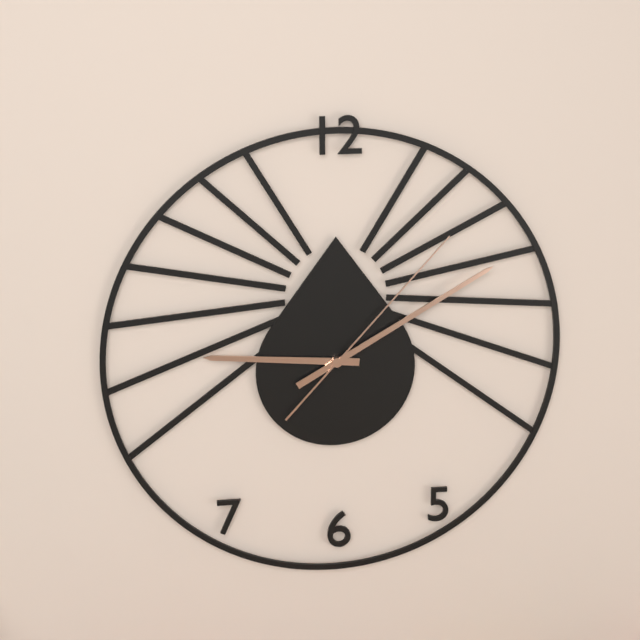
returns 9,10,07
